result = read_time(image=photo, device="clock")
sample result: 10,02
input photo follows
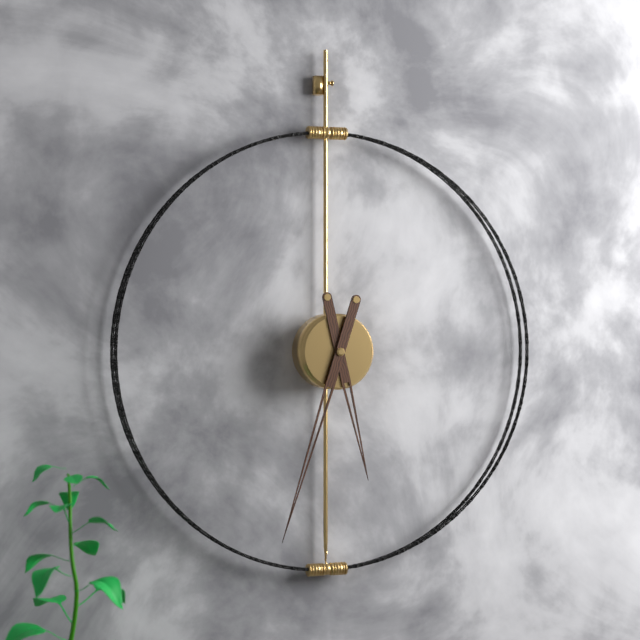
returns 5,33
